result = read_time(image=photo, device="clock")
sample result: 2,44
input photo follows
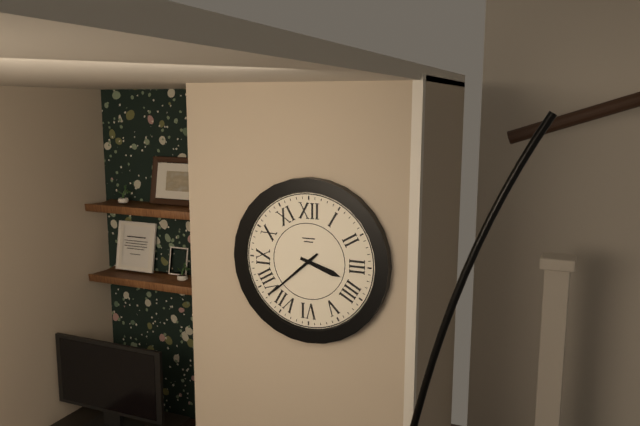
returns 3,38
